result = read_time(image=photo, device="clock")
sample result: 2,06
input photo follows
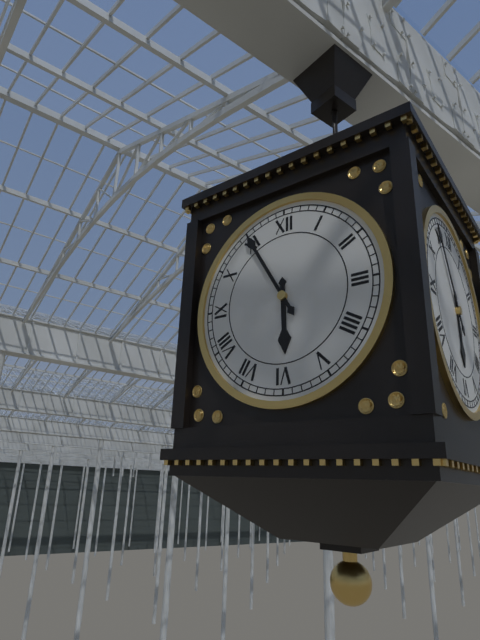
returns 5,55
